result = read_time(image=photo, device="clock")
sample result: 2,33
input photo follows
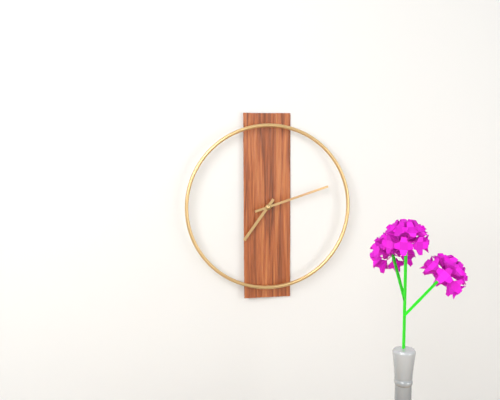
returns 7,12
